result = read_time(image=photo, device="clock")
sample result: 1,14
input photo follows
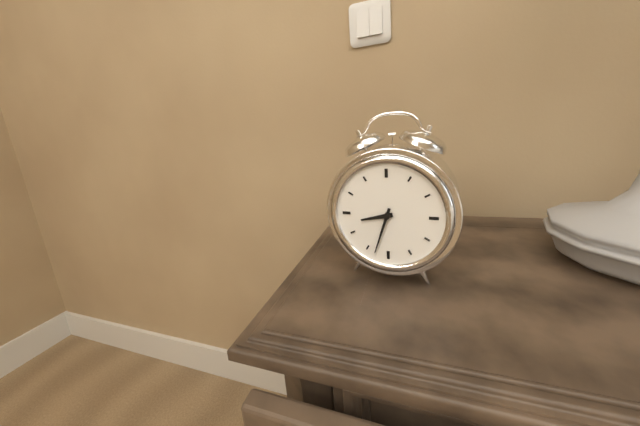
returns 8,33
